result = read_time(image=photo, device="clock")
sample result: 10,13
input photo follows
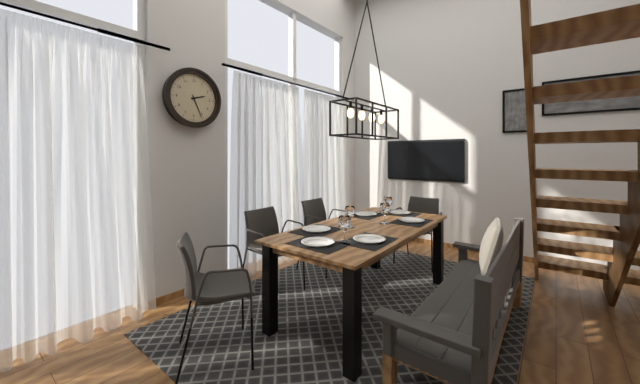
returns 2,26
